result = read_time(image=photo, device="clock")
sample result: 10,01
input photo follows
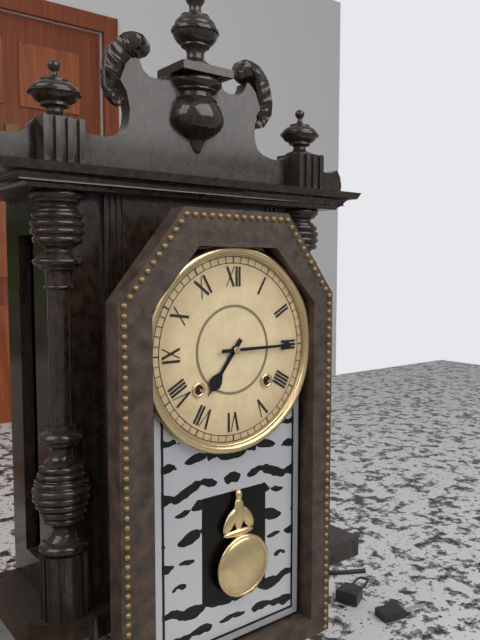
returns 7,15
